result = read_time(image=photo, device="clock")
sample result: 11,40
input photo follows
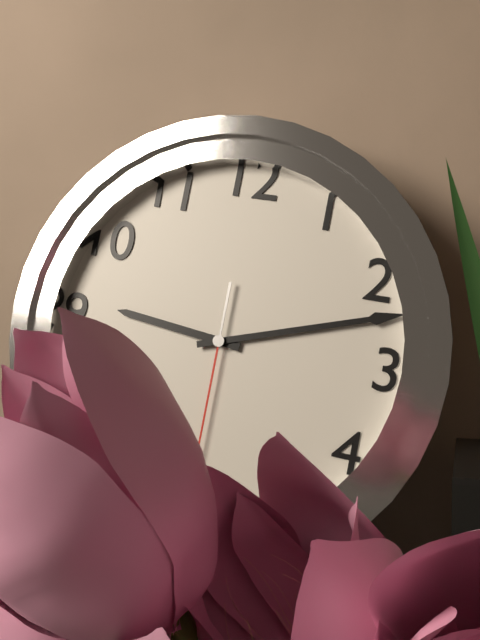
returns 9,12
